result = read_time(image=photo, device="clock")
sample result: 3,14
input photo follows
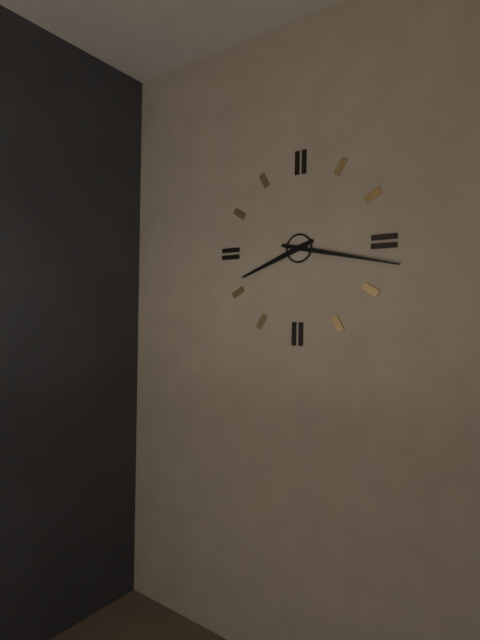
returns 8,17
